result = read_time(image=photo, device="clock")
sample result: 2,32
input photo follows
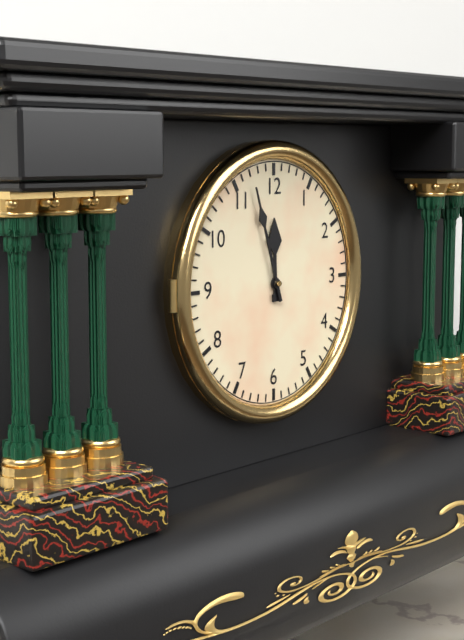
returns 11,57
